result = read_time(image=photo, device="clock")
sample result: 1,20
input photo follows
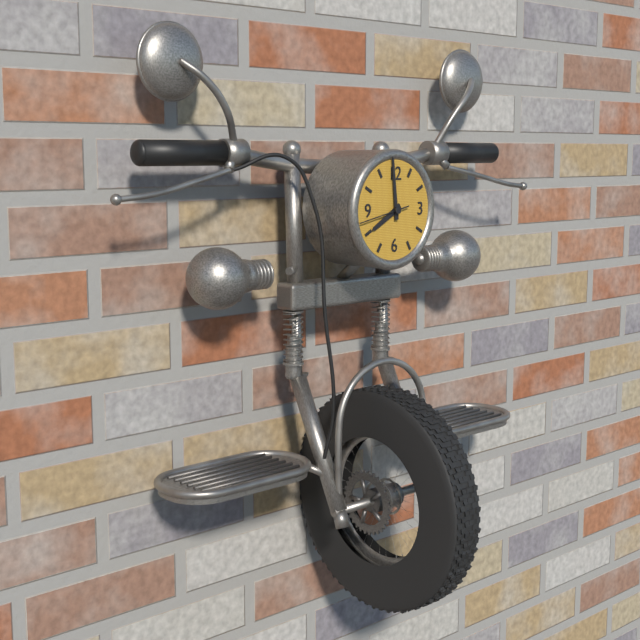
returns 7,59
